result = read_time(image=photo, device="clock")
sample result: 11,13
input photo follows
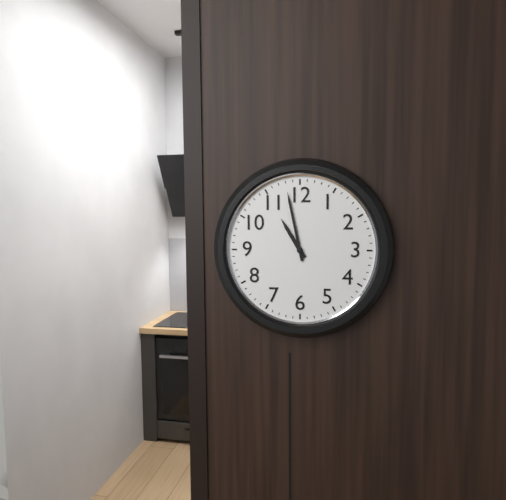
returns 10,58
